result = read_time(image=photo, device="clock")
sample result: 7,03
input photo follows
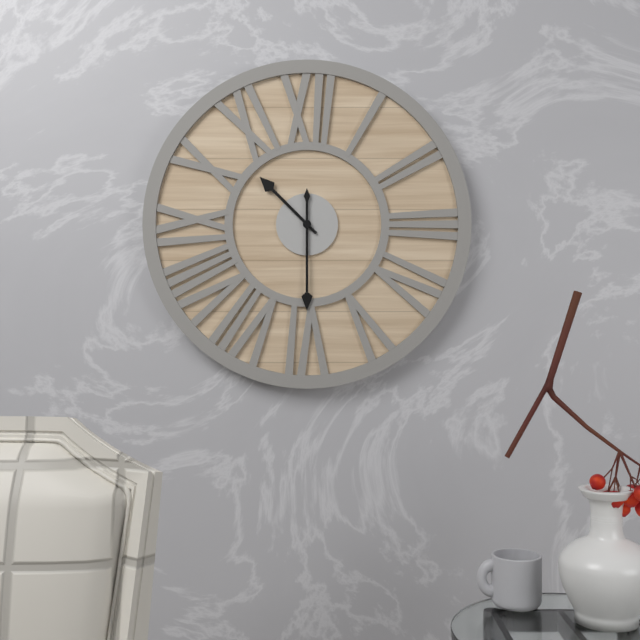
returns 10,30
